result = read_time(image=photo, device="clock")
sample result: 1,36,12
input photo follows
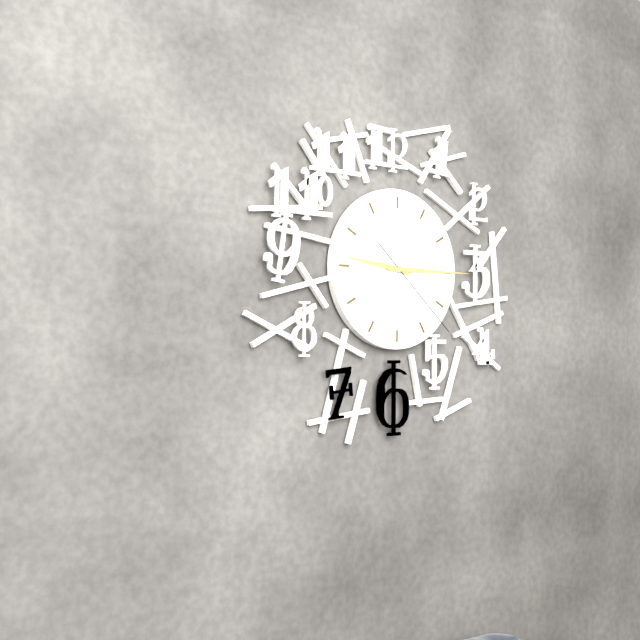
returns 9,15,22
